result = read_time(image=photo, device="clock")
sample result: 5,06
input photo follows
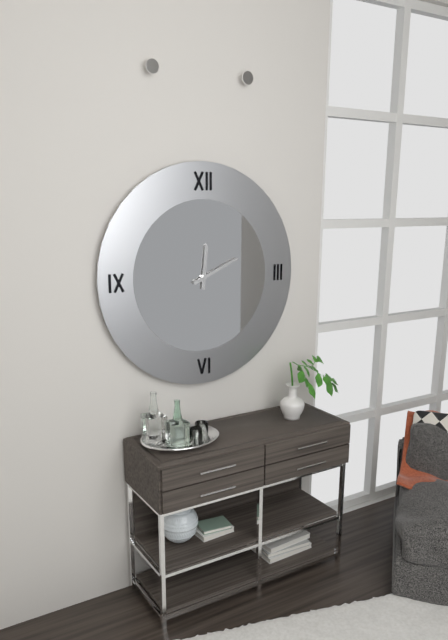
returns 12,11
